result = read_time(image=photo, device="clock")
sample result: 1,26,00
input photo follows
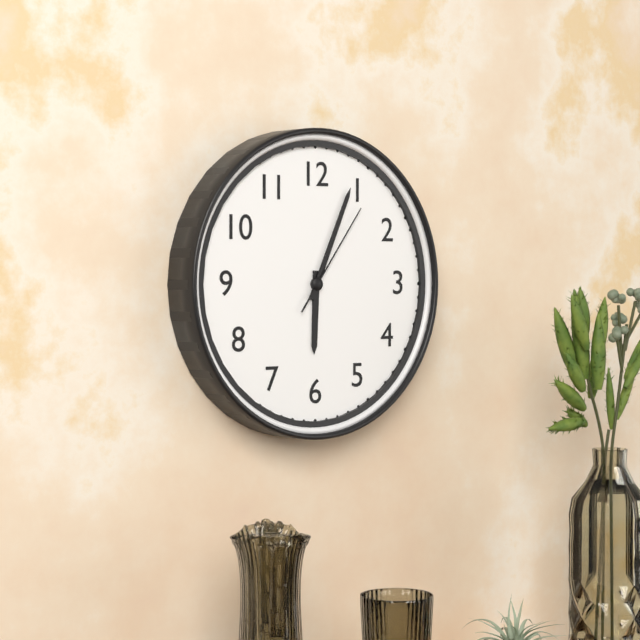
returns 6,04,06
